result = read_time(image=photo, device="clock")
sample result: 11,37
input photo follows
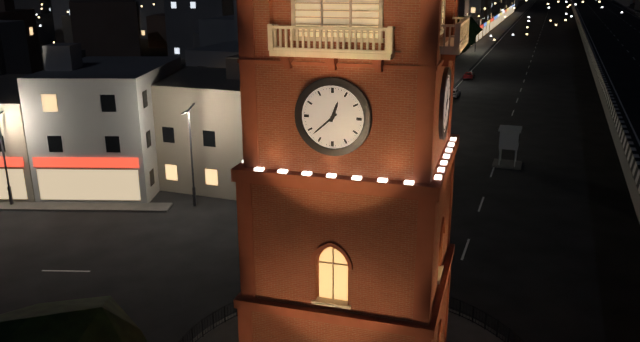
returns 12,38
